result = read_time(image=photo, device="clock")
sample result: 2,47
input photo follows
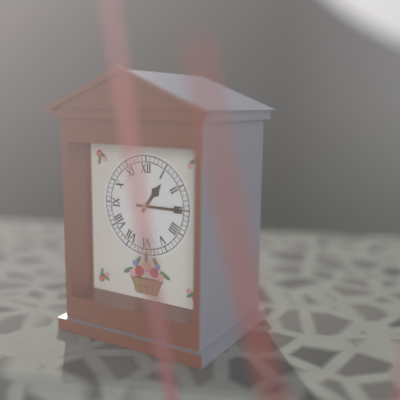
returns 1,15
